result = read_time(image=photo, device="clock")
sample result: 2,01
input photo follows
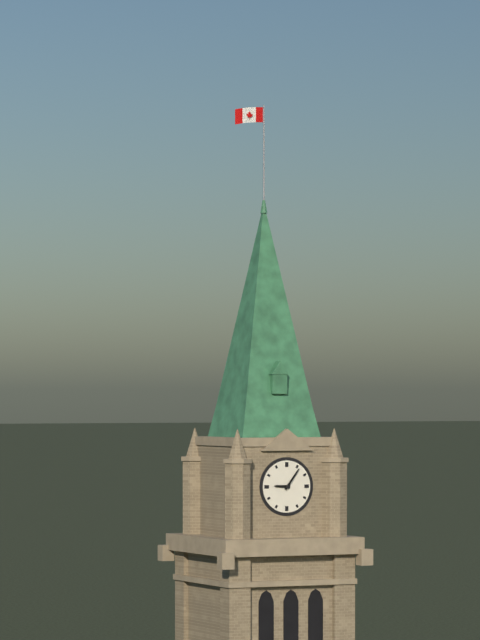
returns 9,06
